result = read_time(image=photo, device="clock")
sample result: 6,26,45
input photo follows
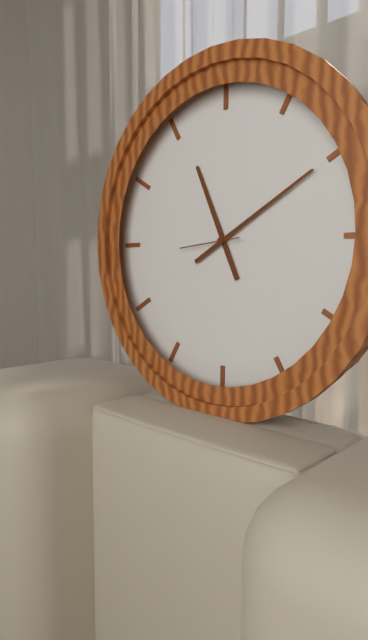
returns 11,10,44
